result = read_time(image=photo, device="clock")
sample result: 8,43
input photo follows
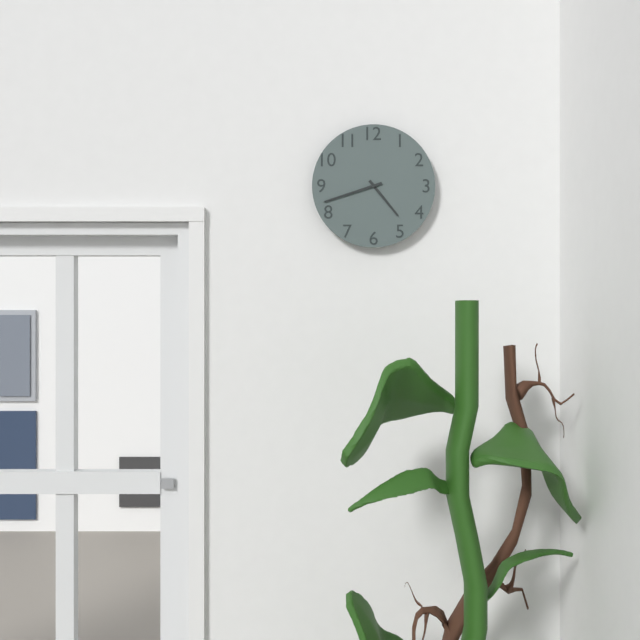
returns 4,42
